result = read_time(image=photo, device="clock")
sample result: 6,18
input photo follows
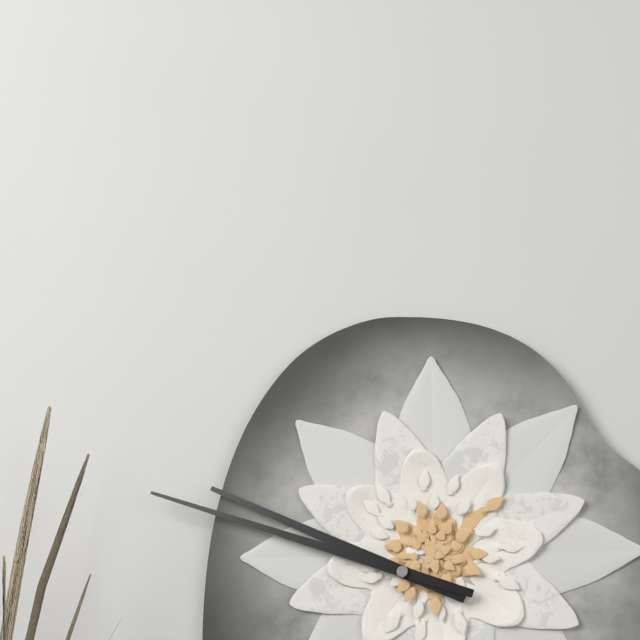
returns 9,48
